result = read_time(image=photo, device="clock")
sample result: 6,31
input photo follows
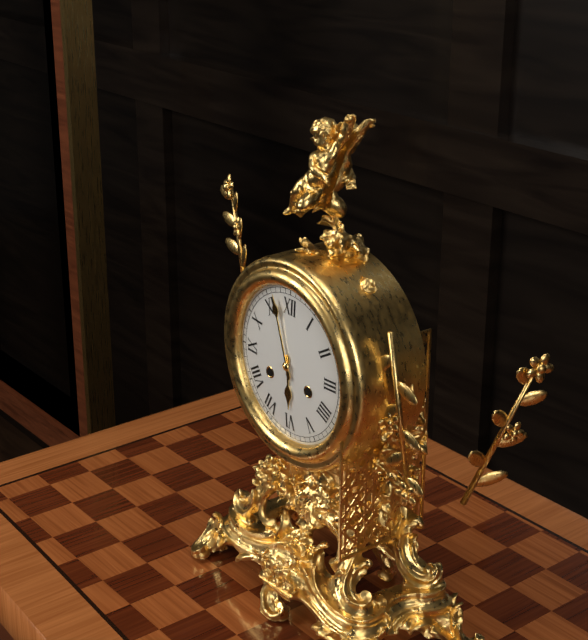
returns 5,57
